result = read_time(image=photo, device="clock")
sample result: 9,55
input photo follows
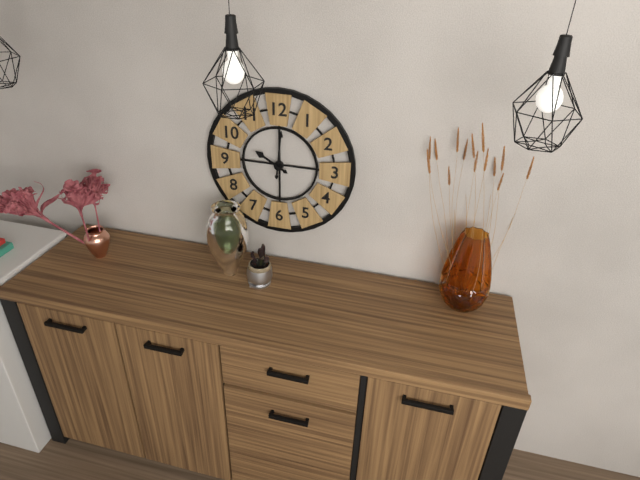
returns 10,01
